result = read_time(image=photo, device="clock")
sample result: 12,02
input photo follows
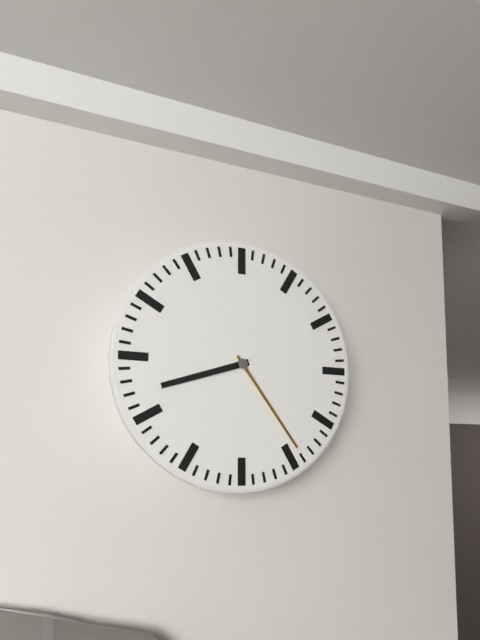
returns 8,24
